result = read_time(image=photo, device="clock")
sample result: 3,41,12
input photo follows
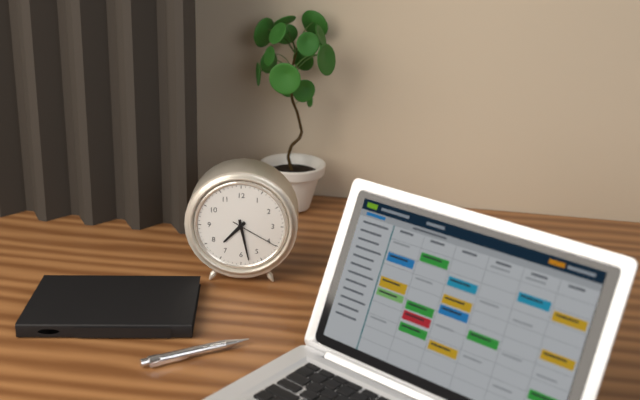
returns 7,28,20
